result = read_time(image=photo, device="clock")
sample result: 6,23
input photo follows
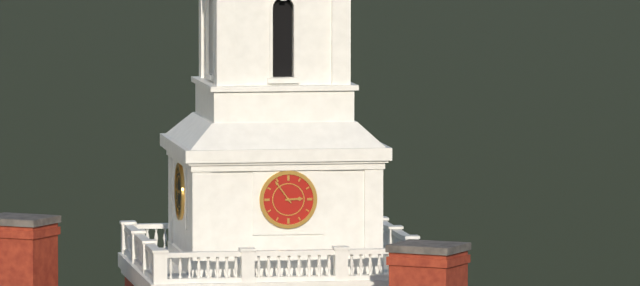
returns 2,54
